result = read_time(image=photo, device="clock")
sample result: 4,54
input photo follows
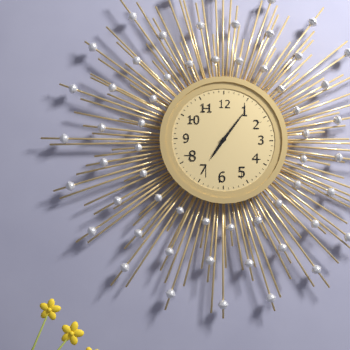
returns 7,06
